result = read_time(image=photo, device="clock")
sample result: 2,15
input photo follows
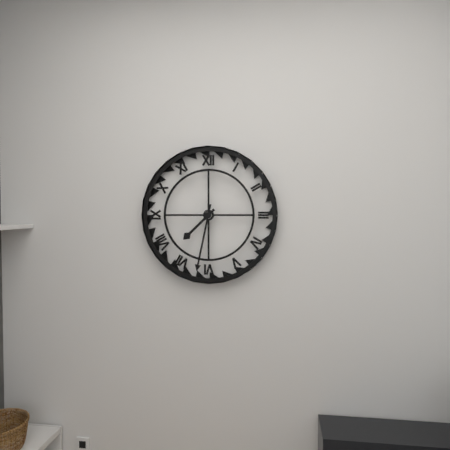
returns 7,32
